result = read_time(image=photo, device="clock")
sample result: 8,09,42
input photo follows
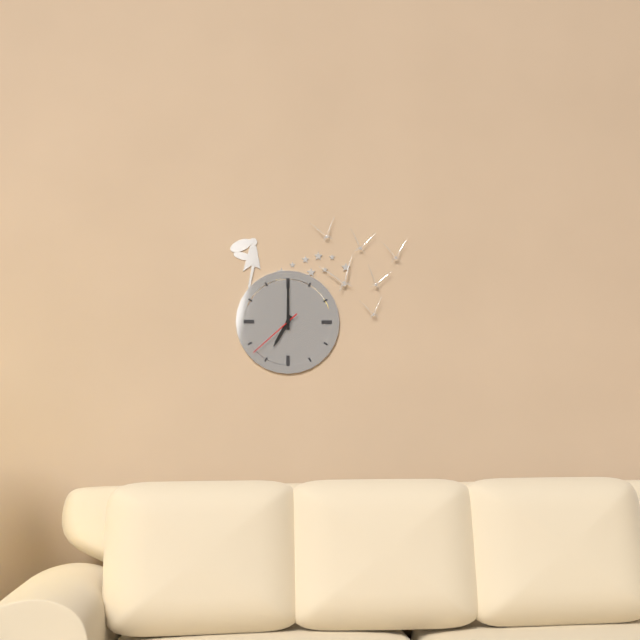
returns 7,00,38
